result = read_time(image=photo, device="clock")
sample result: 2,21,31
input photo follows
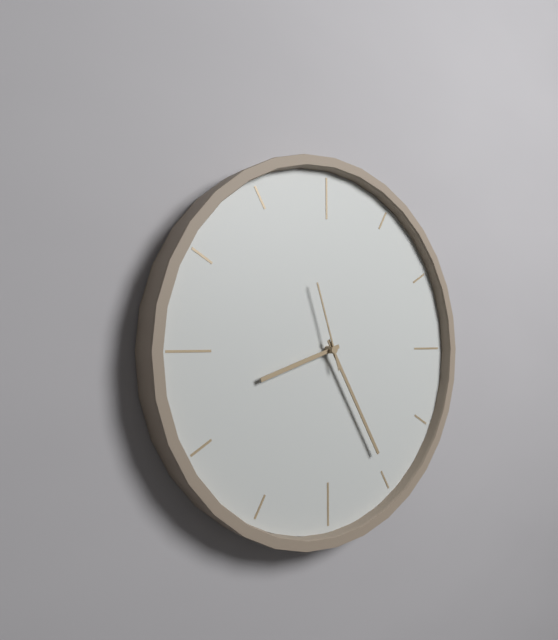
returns 8,25,57
